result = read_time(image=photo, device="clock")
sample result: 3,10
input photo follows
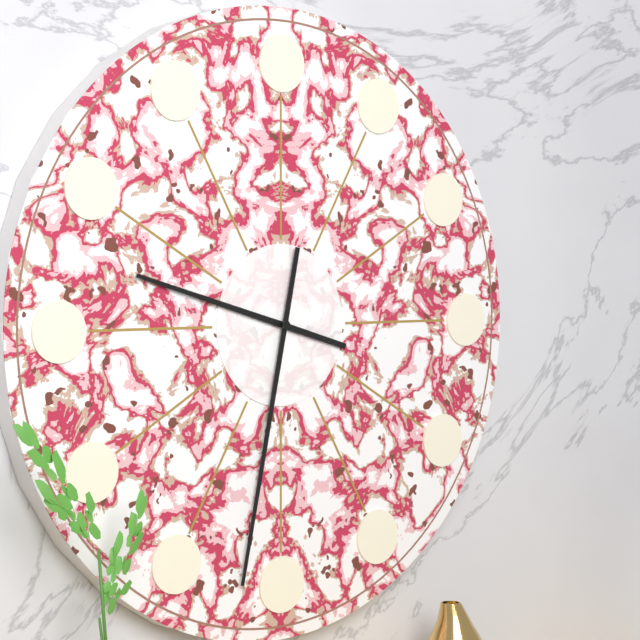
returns 9,32
